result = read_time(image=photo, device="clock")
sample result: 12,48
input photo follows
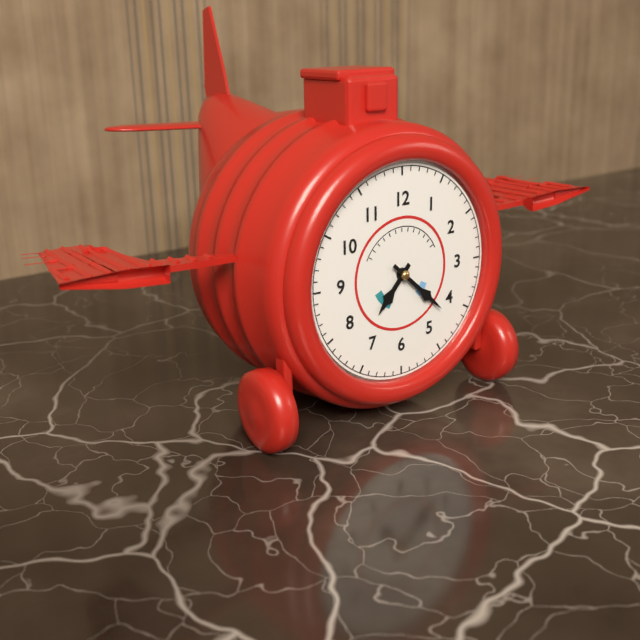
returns 7,22
